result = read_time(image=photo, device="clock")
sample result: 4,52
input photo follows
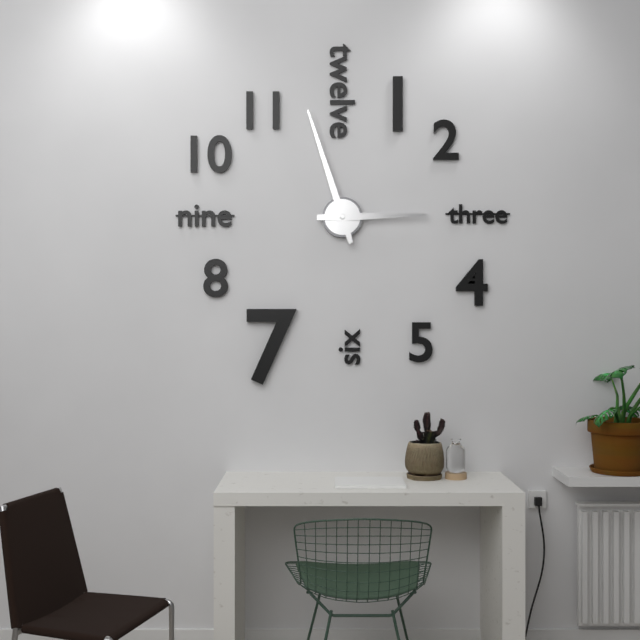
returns 2,57
